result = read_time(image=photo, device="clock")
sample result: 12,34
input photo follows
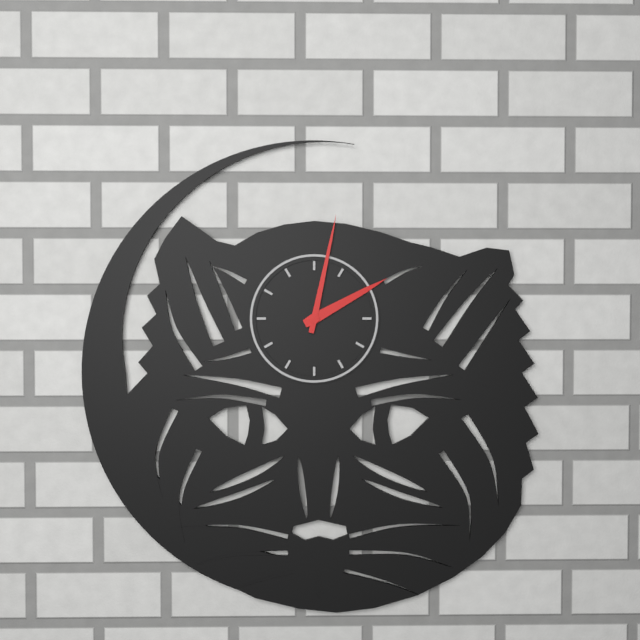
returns 2,02
